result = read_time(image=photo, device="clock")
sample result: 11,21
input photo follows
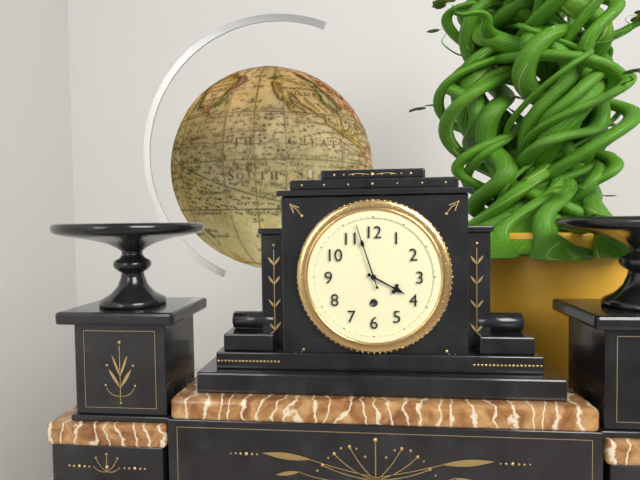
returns 3,57
